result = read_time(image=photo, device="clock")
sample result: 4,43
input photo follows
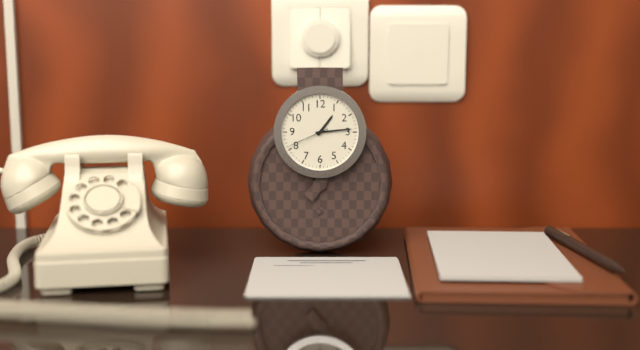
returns 1,14
